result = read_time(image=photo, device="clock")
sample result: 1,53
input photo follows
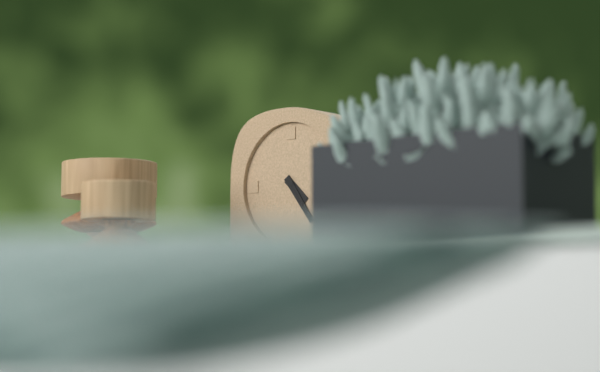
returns 4,24
